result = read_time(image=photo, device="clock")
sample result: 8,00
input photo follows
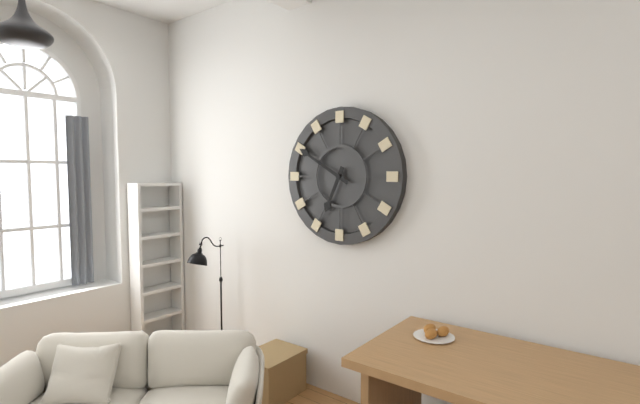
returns 6,50
